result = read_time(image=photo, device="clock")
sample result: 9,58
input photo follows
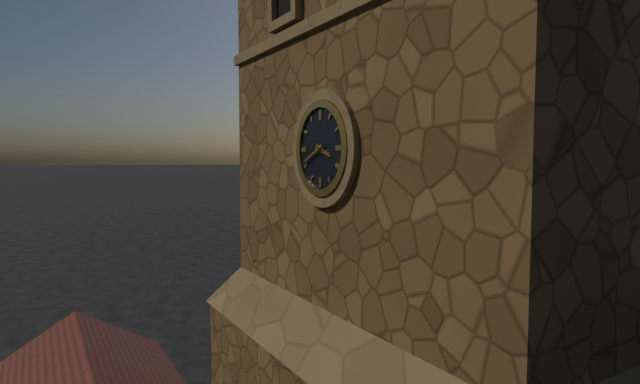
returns 3,41
